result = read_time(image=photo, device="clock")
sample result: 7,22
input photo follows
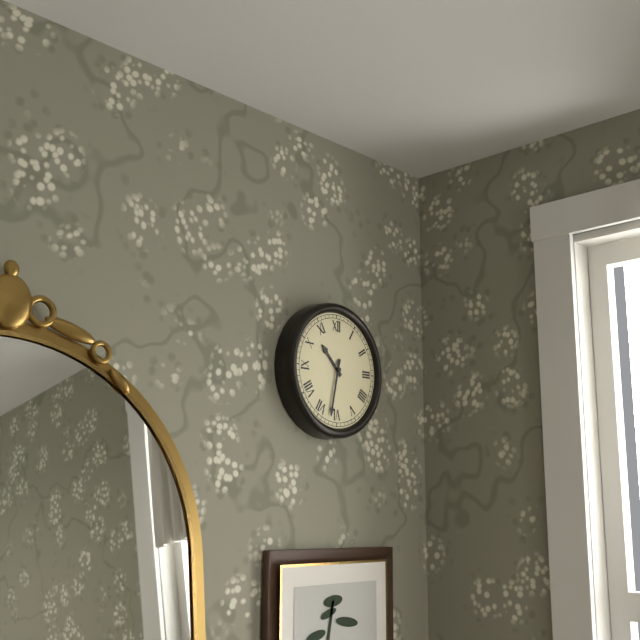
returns 10,32
